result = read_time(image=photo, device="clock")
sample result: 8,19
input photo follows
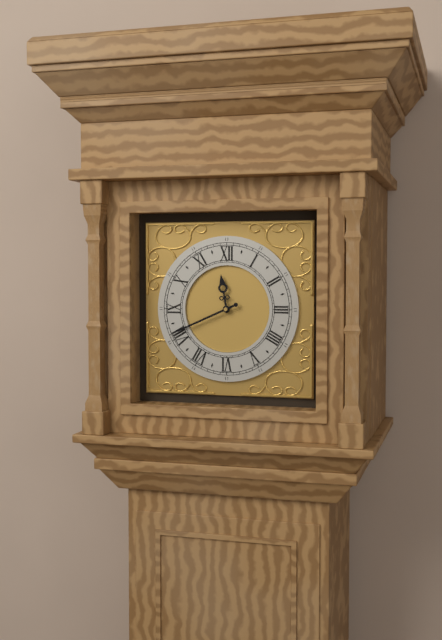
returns 11,41
